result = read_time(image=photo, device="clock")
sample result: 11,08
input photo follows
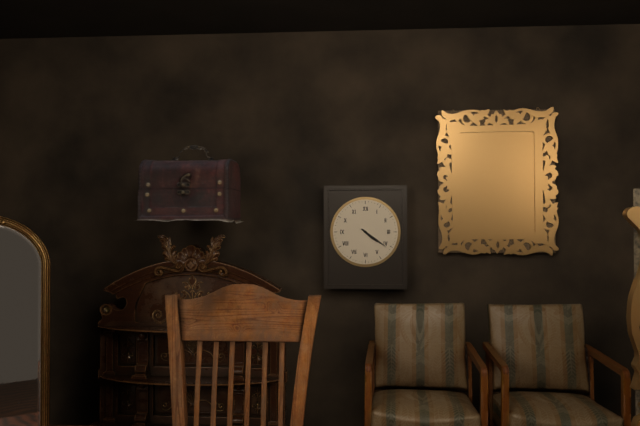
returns 4,21
